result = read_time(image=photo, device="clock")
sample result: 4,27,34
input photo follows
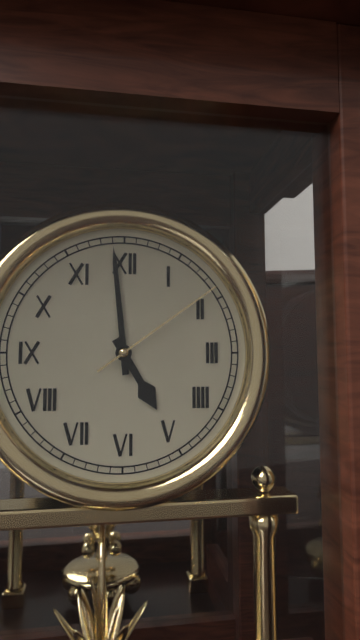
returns 4,59,09
